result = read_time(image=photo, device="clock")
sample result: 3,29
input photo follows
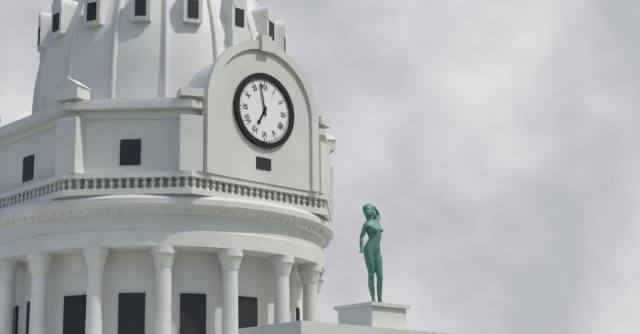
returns 6,58
